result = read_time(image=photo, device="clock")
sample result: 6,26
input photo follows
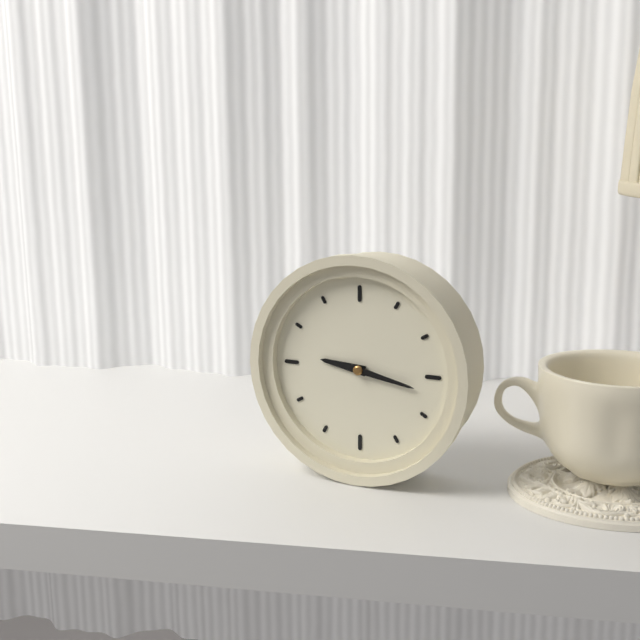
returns 9,17
